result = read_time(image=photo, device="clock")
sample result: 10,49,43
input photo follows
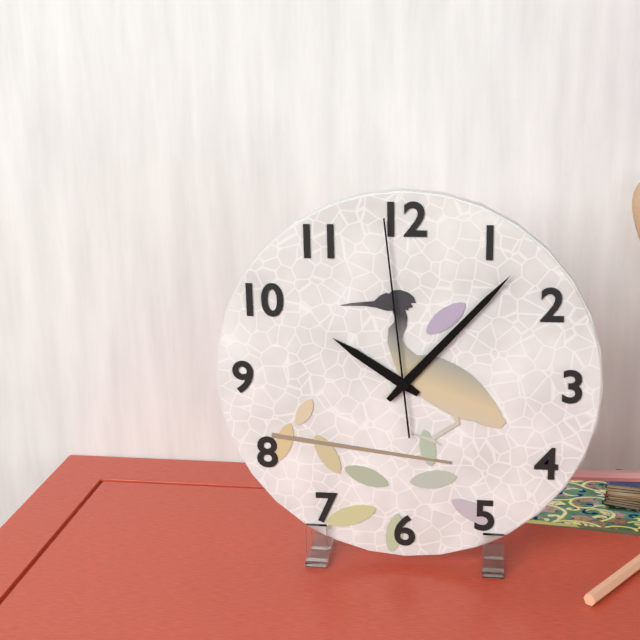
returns 10,07,59
